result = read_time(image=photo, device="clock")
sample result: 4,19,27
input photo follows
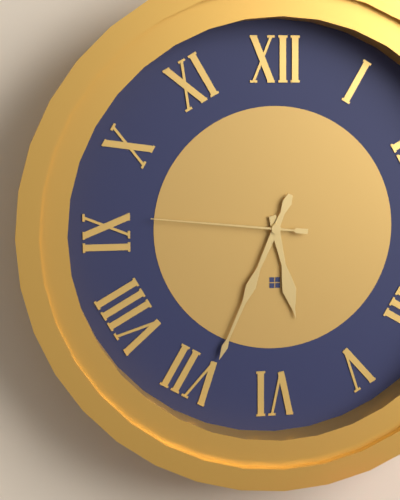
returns 5,34,46
